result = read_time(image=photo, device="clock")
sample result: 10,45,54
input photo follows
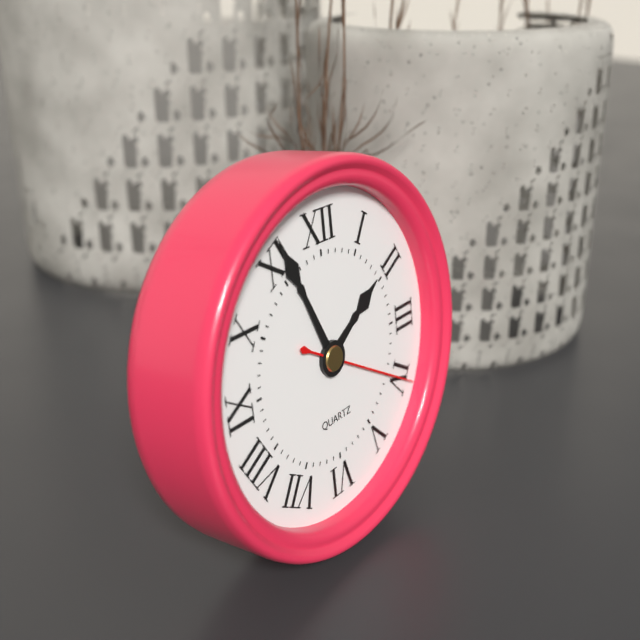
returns 1,56,20
